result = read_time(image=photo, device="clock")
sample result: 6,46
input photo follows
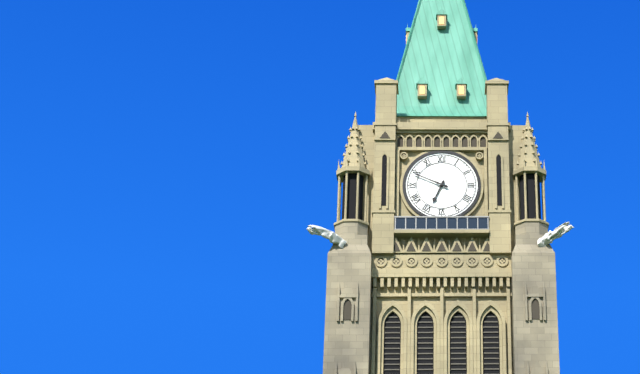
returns 6,49
